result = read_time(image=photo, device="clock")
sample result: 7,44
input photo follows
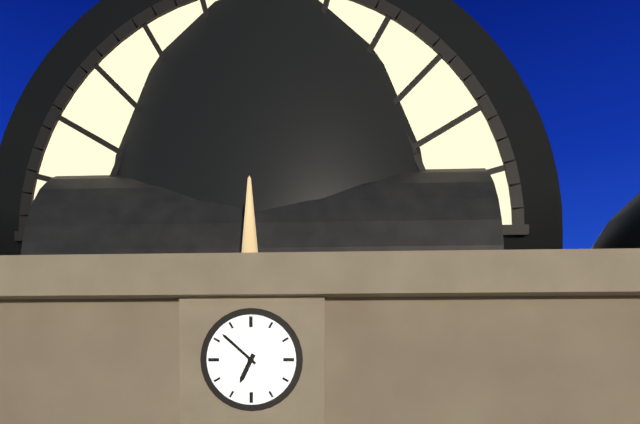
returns 6,52
